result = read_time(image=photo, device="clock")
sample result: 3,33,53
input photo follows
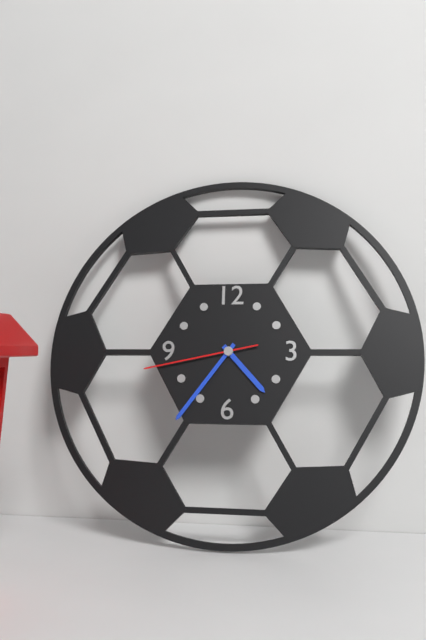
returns 4,36,43
